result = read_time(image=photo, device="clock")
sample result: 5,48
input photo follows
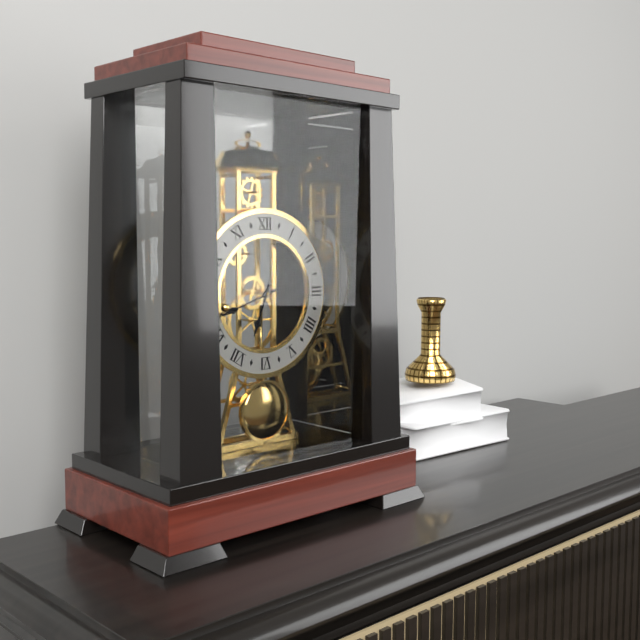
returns 6,42
